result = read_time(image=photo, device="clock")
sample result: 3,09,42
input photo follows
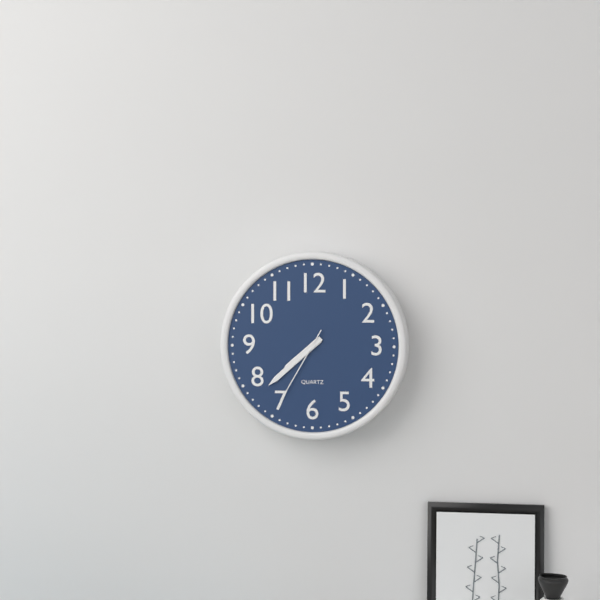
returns 7,38,35
